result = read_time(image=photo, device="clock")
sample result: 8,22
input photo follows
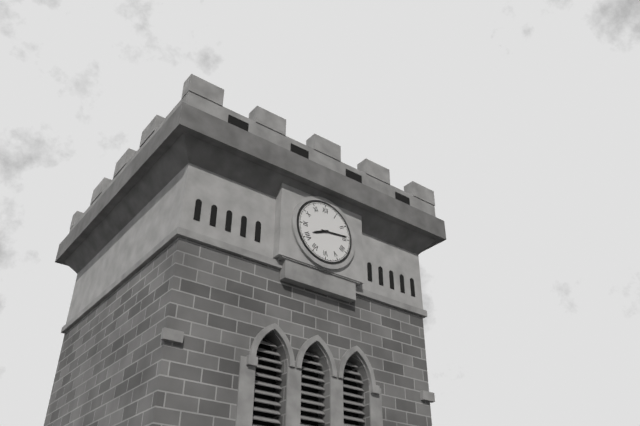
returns 8,14
